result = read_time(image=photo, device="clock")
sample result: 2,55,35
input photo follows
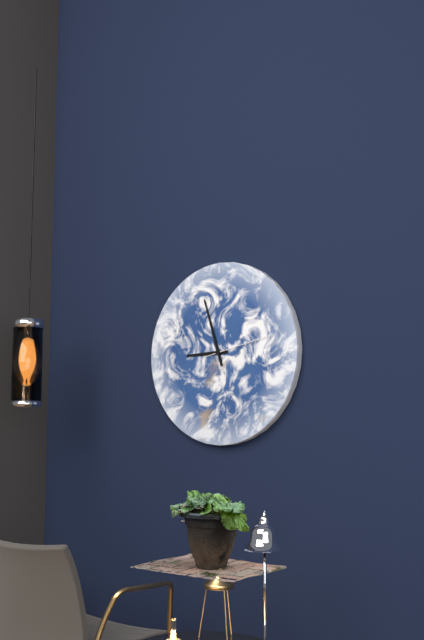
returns 8,57,13
